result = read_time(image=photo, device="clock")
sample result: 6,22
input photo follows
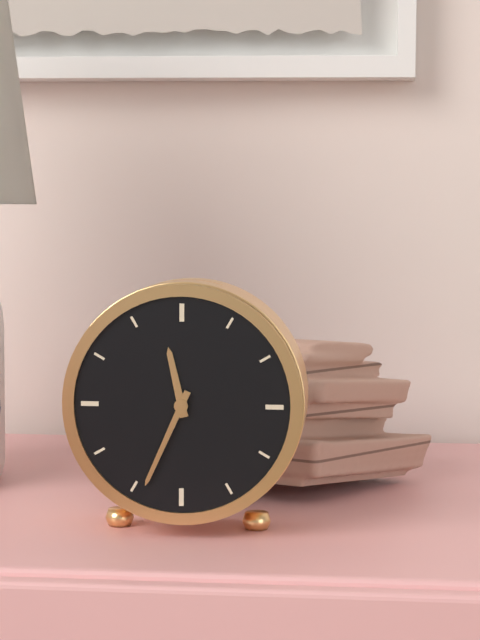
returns 11,34
